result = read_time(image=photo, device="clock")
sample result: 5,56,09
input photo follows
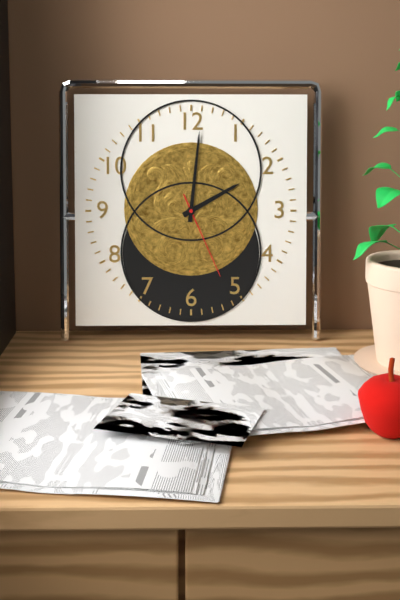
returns 2,01,26
